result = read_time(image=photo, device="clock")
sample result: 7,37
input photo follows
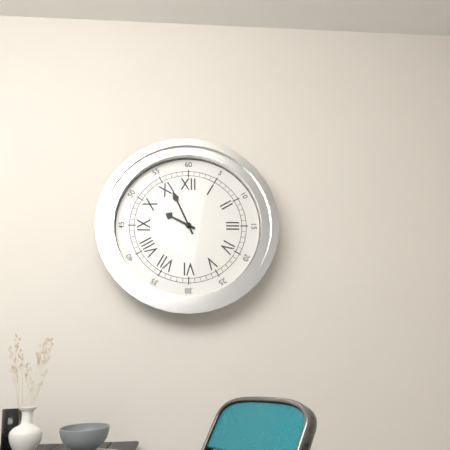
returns 9,56
